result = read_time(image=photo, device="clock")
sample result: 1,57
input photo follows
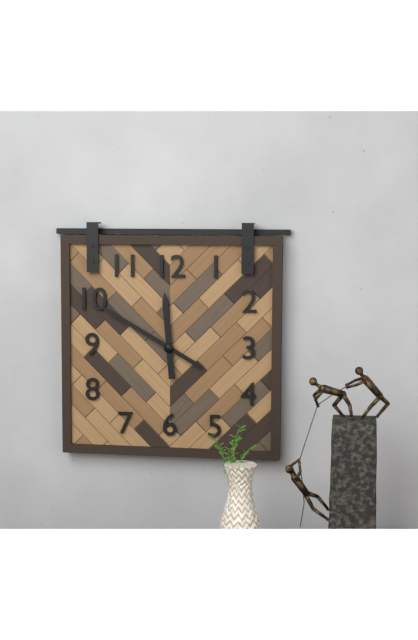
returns 11,50
